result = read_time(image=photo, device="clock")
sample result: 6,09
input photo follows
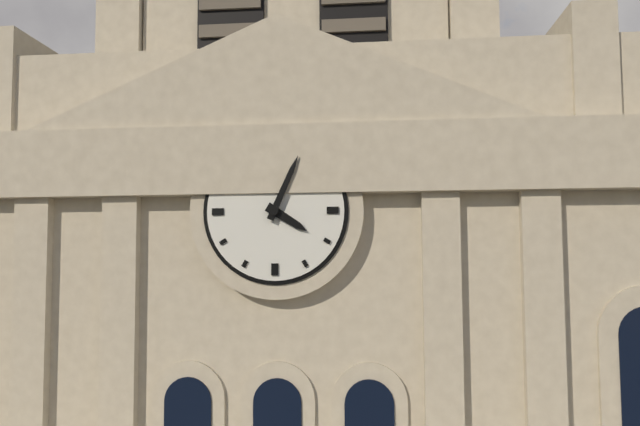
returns 4,04
